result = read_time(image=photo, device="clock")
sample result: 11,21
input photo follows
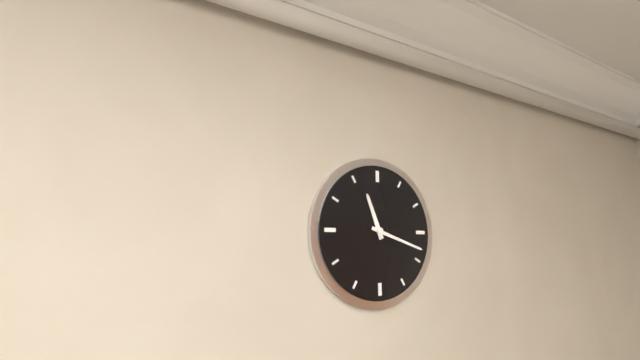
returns 11,18
